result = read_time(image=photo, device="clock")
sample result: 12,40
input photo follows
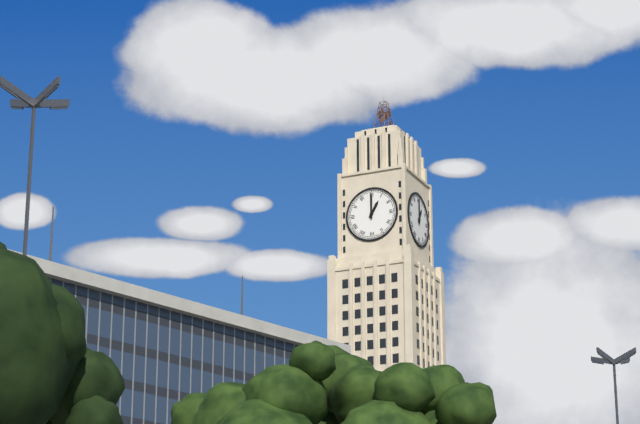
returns 1,00
